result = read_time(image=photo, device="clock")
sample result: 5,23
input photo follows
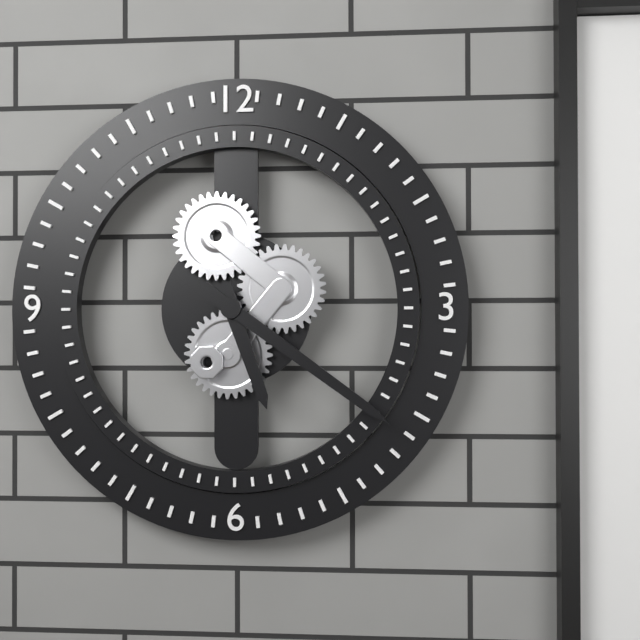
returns 5,21
